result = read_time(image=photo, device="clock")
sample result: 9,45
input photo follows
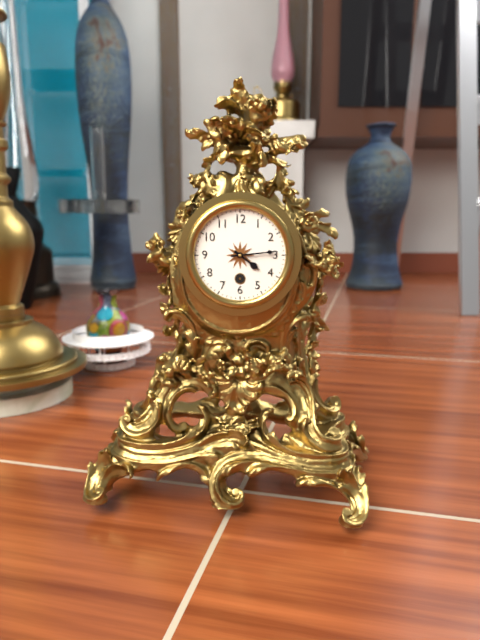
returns 4,14
